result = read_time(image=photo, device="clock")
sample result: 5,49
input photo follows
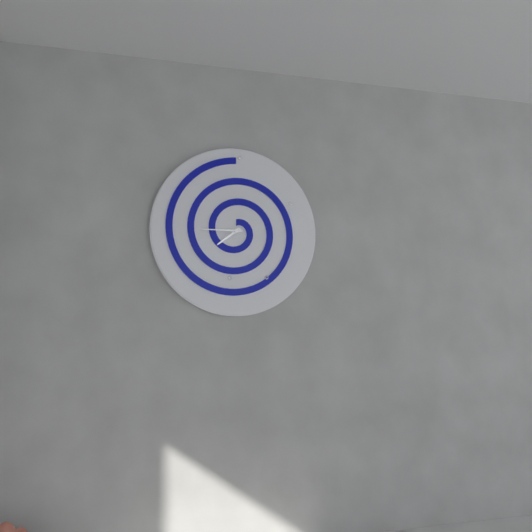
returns 7,45
